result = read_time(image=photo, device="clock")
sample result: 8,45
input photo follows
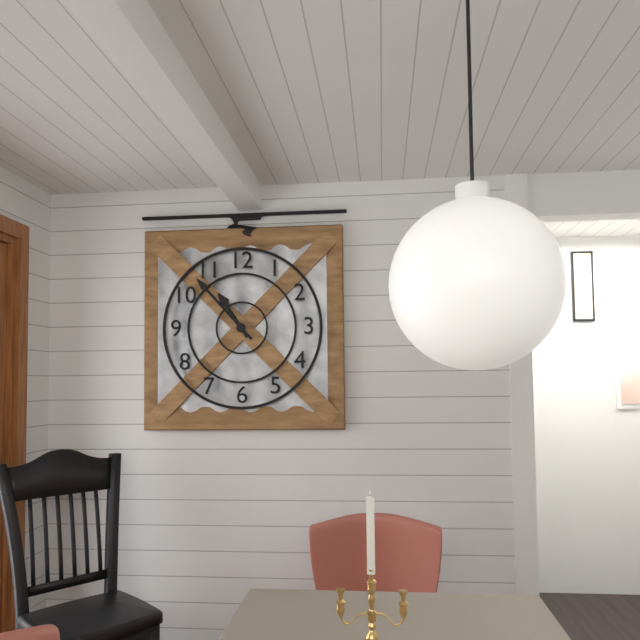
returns 10,53
